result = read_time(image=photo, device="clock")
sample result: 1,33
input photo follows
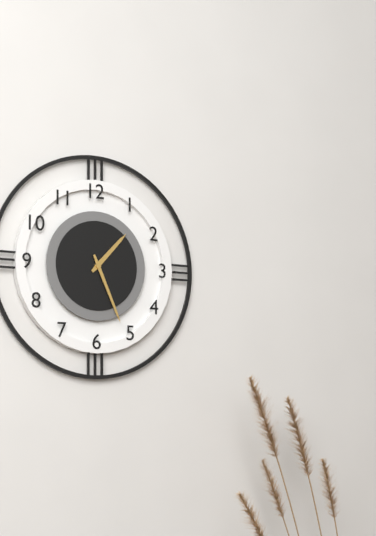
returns 1,26
